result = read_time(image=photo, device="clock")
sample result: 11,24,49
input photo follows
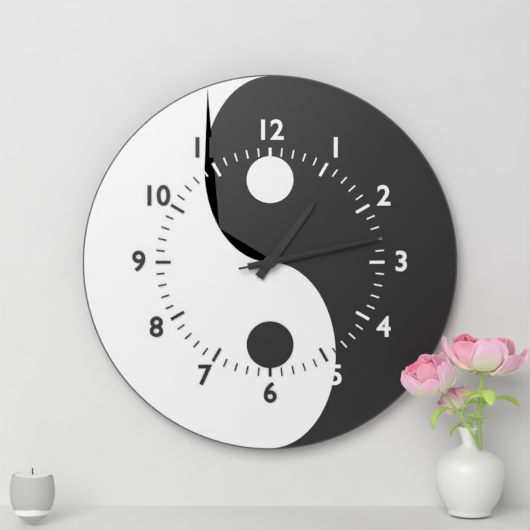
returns 1,13,13
